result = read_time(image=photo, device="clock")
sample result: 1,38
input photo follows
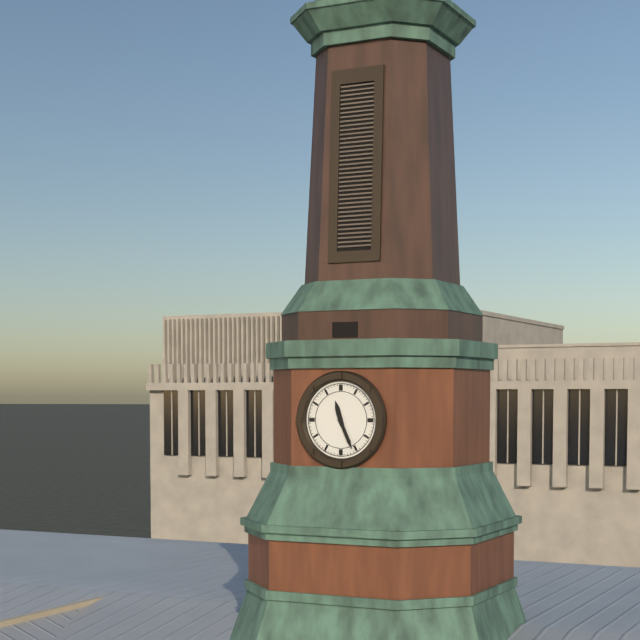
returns 11,26
